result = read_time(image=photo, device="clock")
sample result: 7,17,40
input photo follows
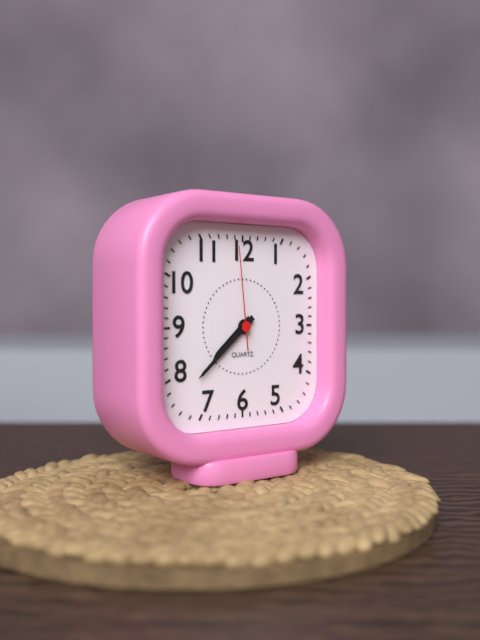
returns 7,38,59
